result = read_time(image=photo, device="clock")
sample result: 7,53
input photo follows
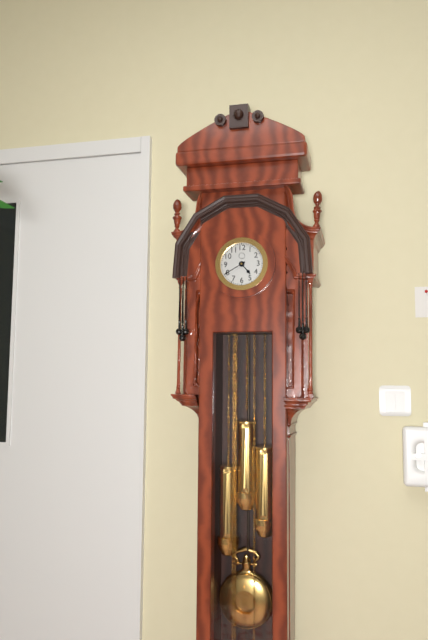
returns 4,40
